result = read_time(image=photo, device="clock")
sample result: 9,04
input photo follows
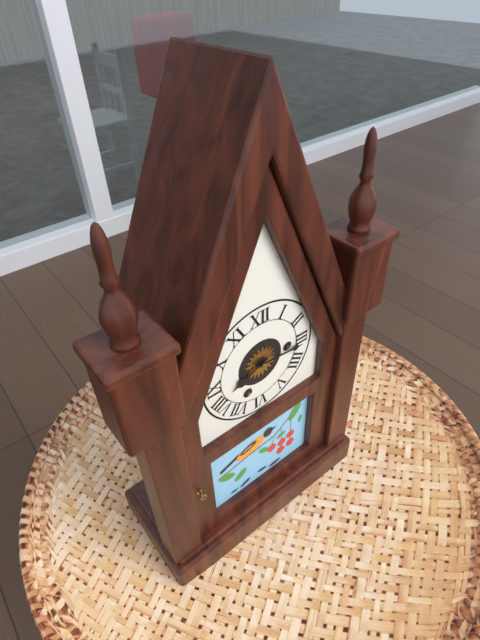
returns 8,16
